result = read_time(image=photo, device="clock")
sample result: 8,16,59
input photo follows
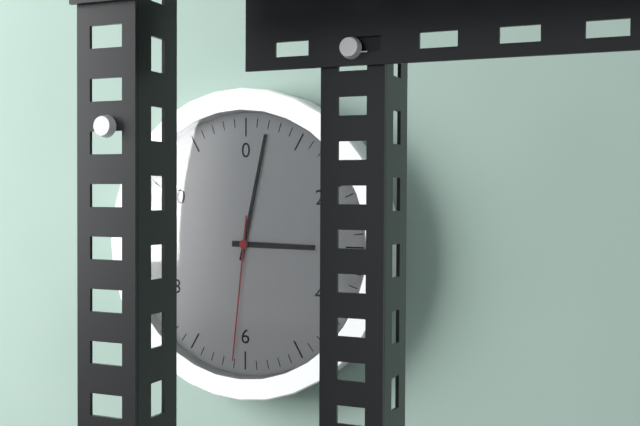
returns 3,02,31
